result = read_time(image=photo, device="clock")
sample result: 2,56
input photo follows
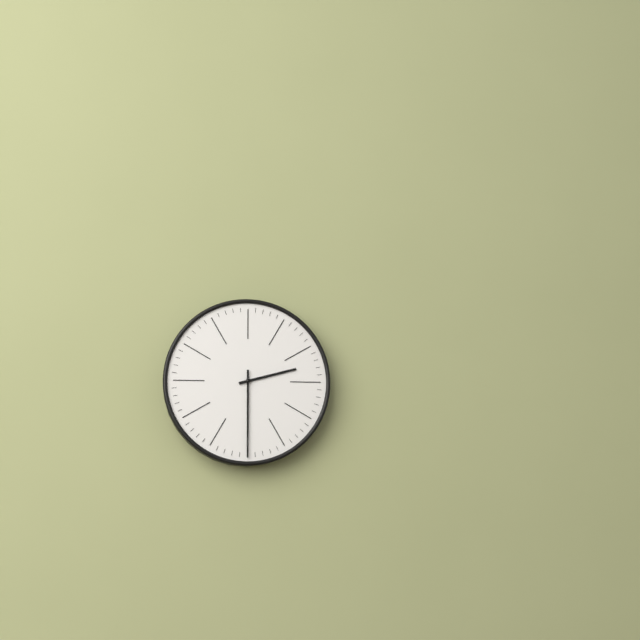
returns 2,30
